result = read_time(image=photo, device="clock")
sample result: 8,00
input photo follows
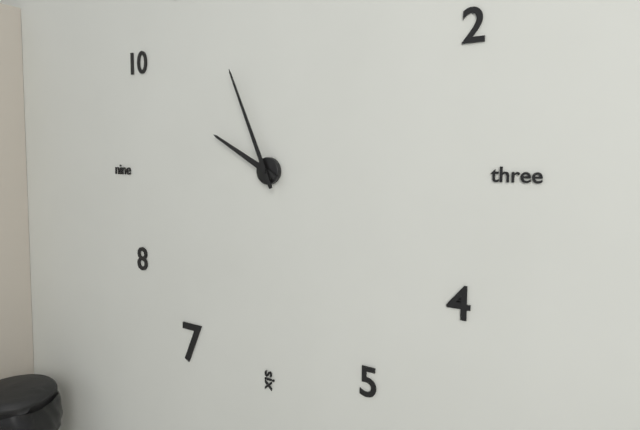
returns 9,56
